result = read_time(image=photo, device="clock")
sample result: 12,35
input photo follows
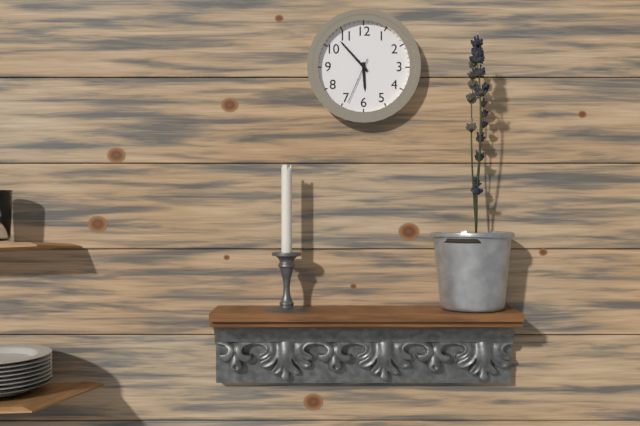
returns 5,53
